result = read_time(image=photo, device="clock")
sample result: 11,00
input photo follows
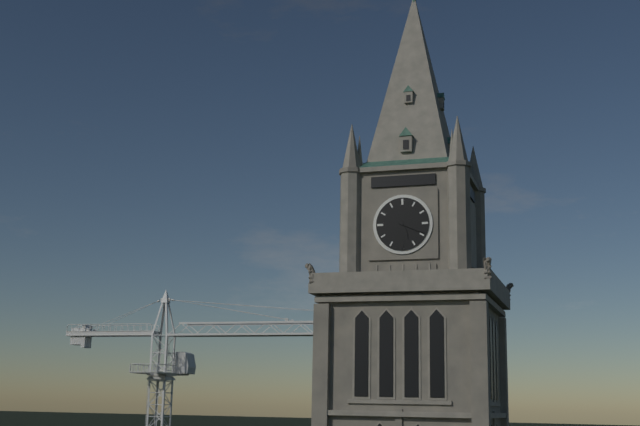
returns 5,19
